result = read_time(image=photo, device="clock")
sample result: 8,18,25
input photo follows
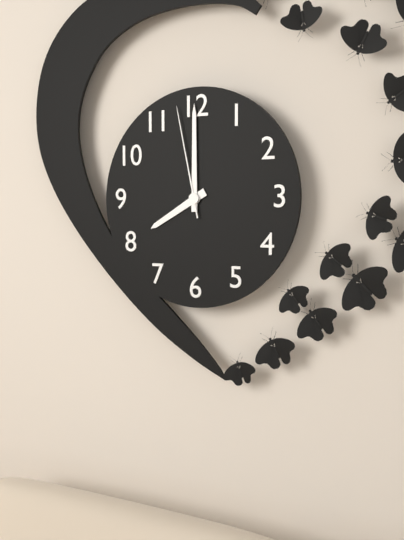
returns 8,00,58
